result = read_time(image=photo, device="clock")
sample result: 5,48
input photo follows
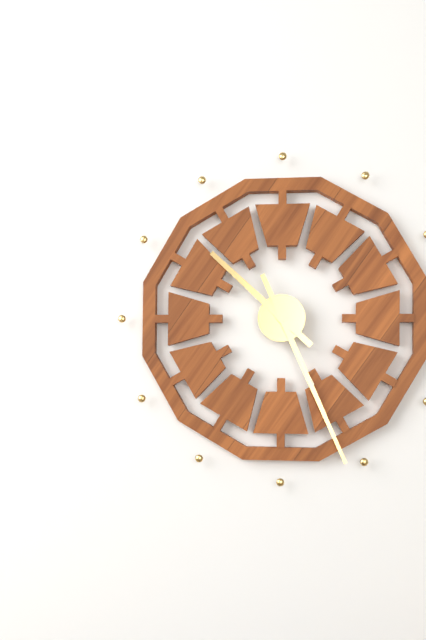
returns 10,26
